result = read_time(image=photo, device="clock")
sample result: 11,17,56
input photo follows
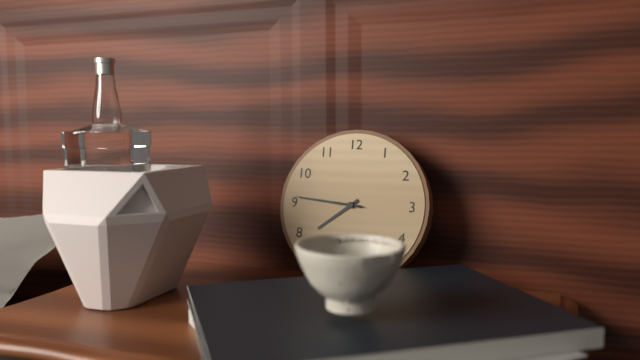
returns 7,46,46
